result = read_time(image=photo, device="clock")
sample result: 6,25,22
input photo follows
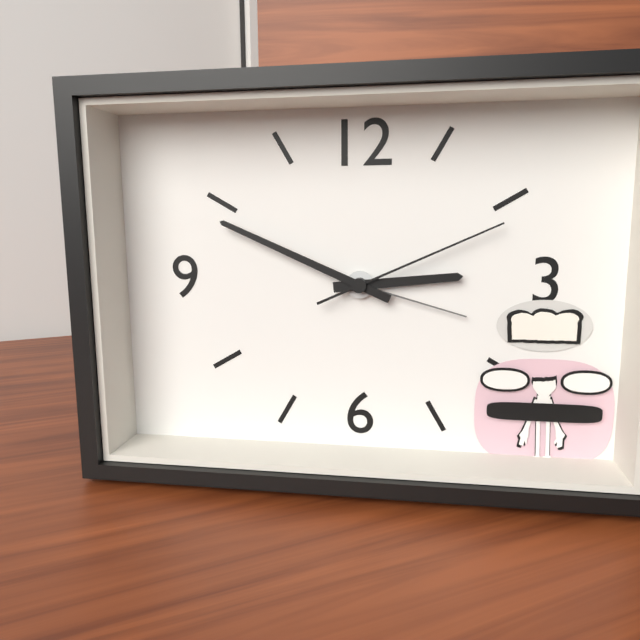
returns 2,49,11
